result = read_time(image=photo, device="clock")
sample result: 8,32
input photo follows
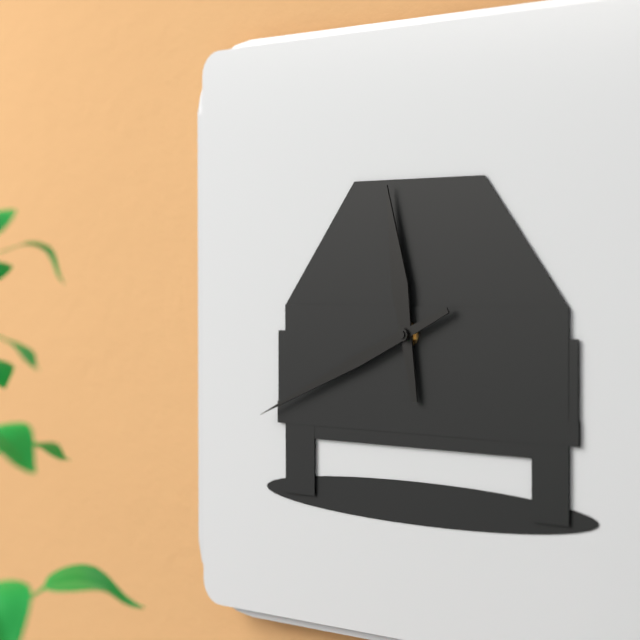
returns 11,41
